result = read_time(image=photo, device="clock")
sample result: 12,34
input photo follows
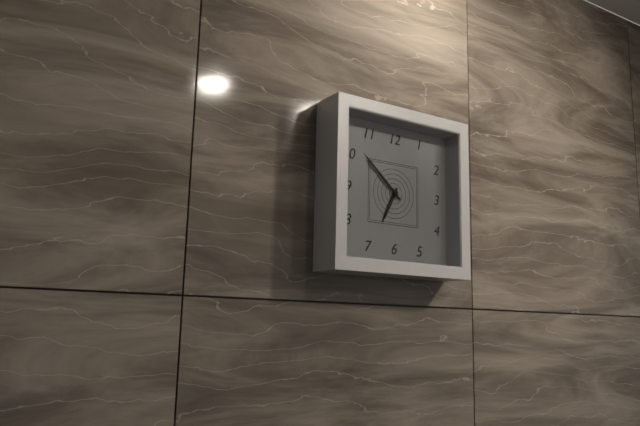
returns 6,52
